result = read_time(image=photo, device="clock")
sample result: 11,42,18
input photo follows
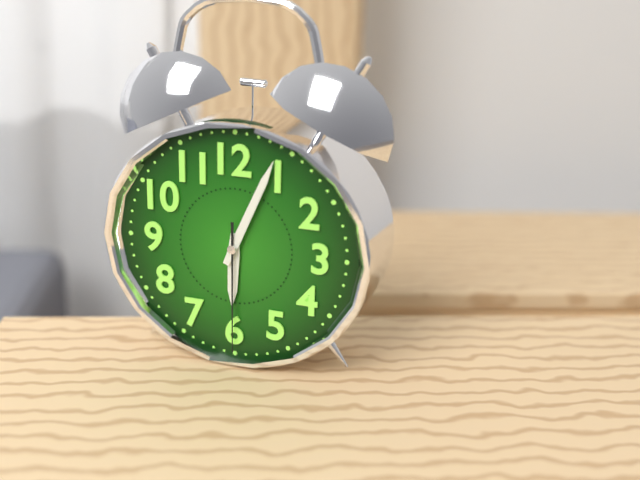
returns 6,04,30
